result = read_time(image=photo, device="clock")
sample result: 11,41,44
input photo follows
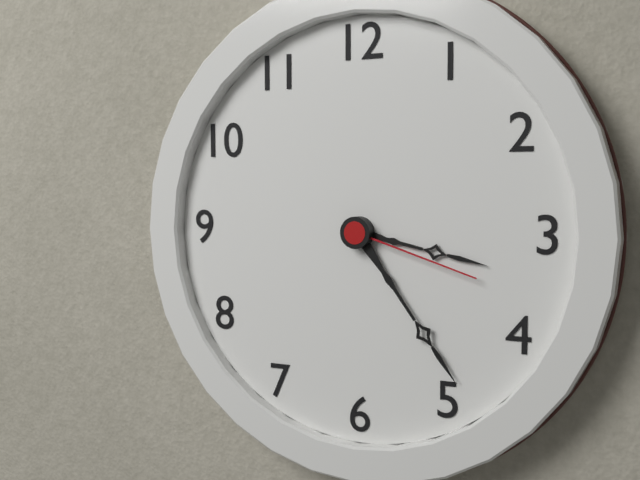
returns 3,24,18
